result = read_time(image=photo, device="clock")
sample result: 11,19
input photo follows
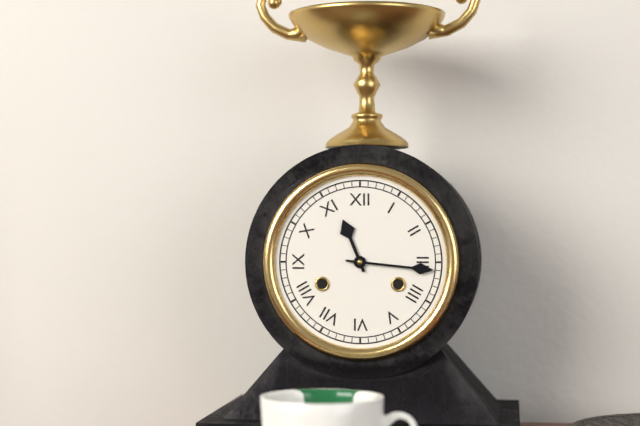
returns 11,16
